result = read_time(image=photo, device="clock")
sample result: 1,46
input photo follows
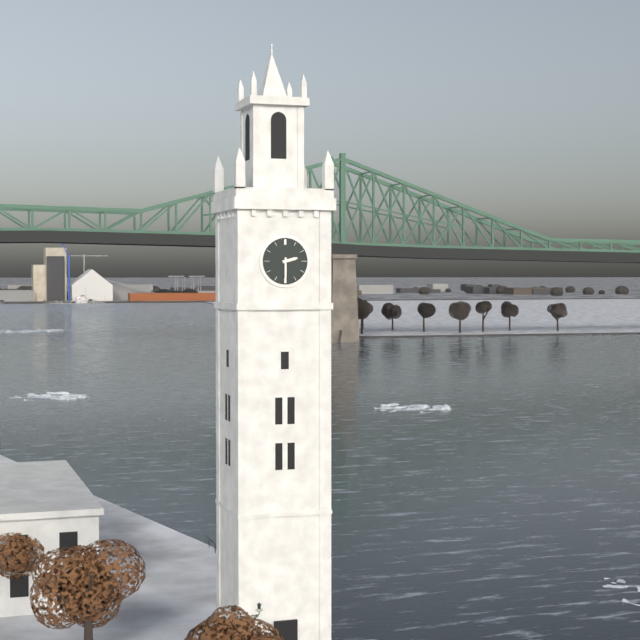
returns 2,30
